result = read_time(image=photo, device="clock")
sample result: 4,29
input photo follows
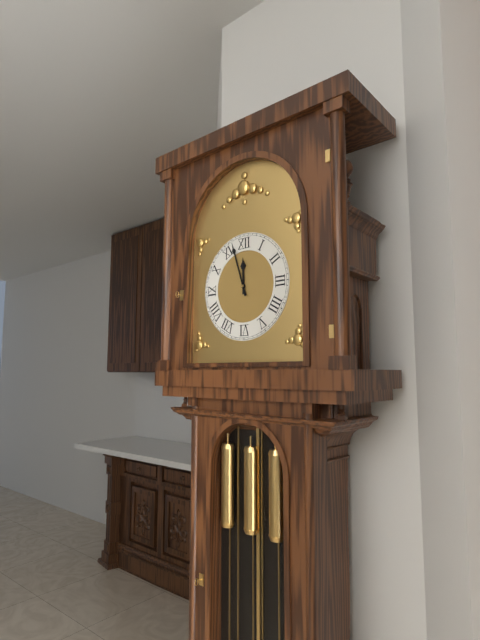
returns 11,57
